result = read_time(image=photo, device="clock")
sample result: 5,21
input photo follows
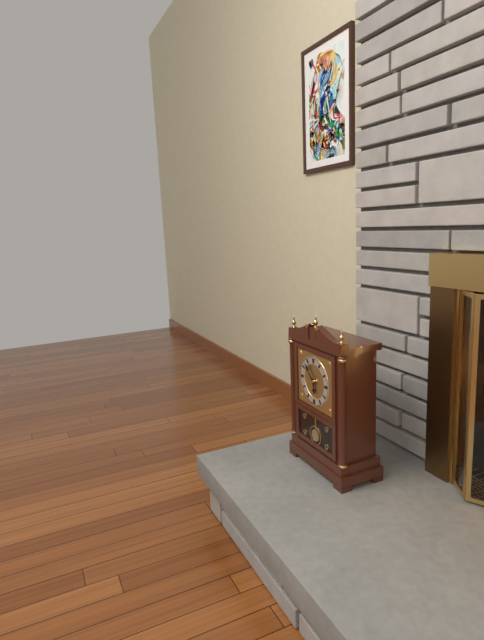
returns 5,53
